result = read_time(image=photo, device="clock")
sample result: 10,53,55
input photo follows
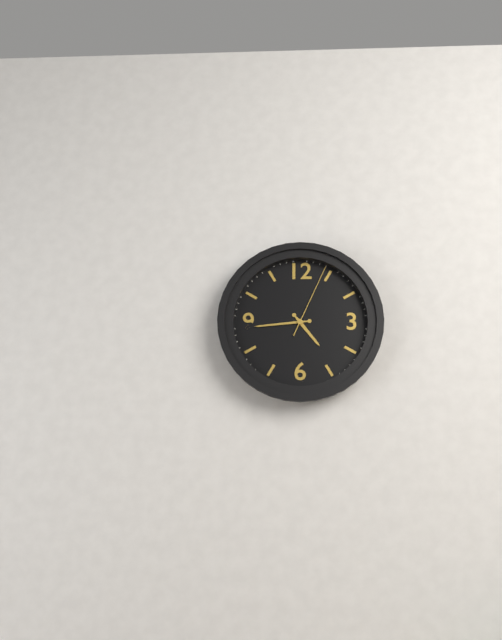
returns 4,44,04
